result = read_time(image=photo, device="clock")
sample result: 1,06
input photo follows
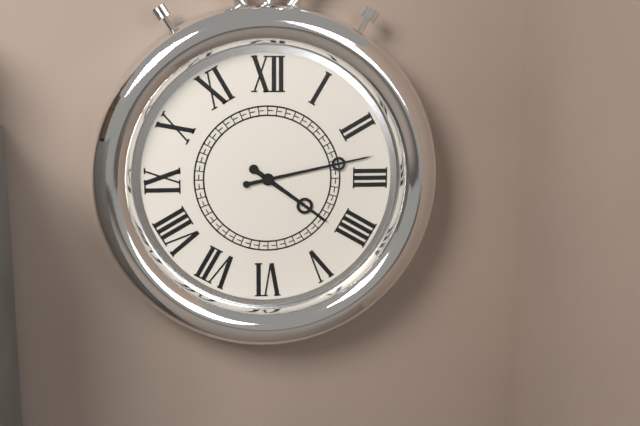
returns 4,13
